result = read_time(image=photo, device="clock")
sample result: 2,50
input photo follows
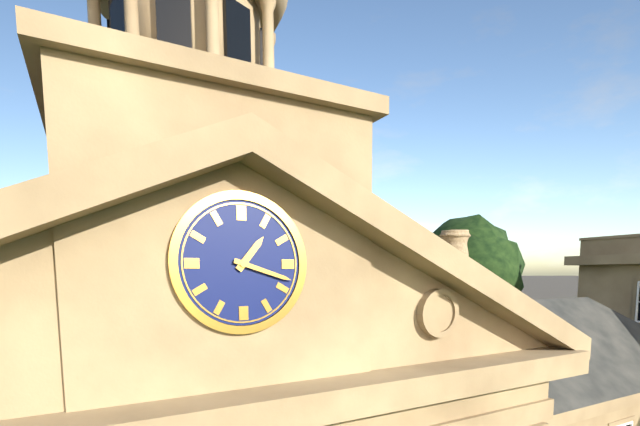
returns 1,18
